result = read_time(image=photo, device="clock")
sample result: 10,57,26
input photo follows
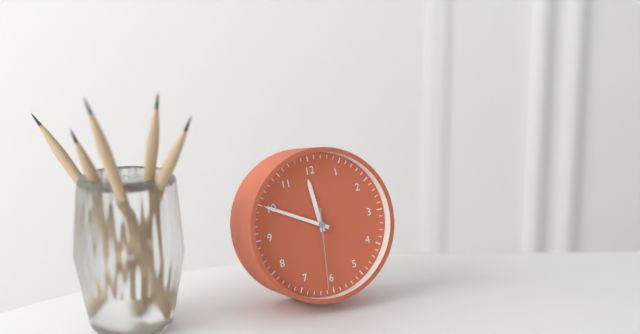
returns 11,50,31
